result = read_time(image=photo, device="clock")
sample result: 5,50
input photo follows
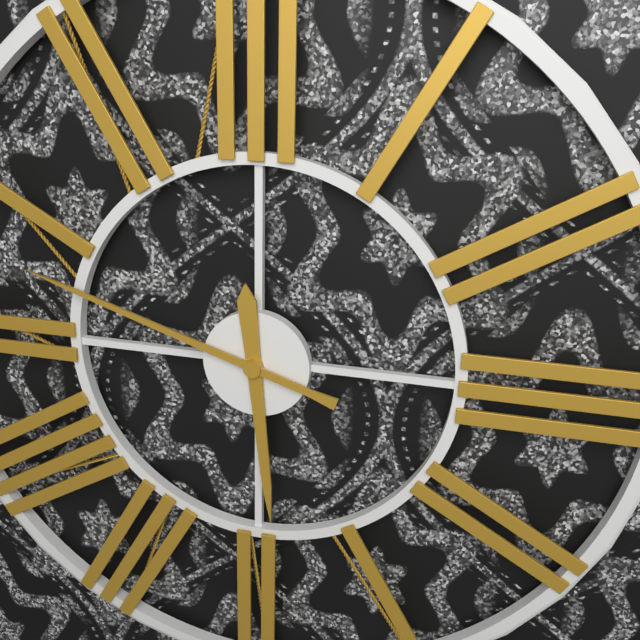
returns 5,48
